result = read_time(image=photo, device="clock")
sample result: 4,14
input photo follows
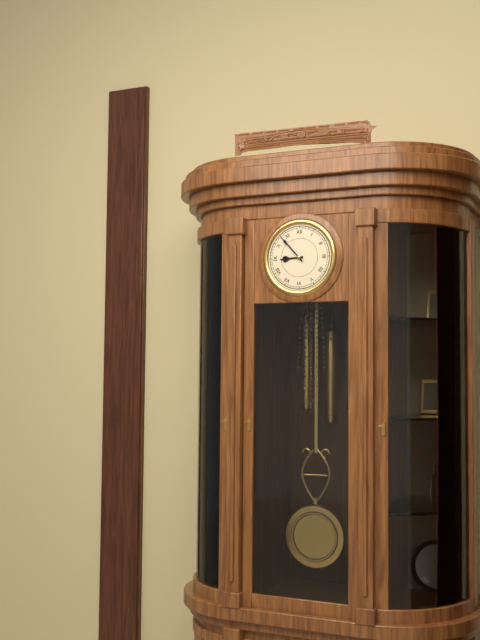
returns 8,53
